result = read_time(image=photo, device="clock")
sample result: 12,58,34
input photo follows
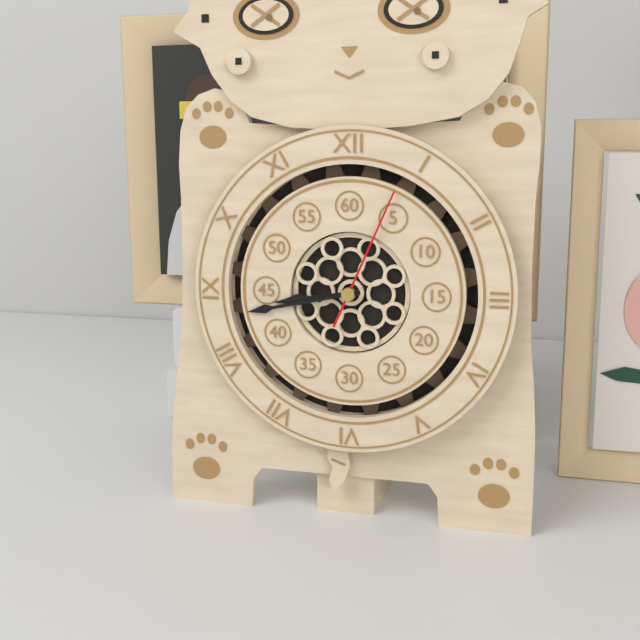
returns 8,43,04
